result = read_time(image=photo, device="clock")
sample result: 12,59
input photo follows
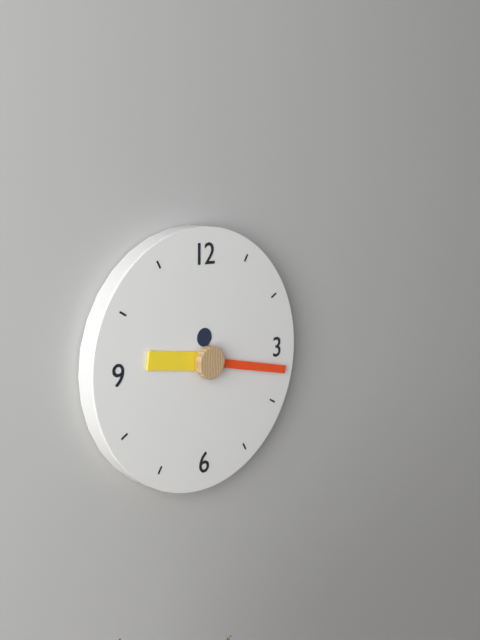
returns 9,17
